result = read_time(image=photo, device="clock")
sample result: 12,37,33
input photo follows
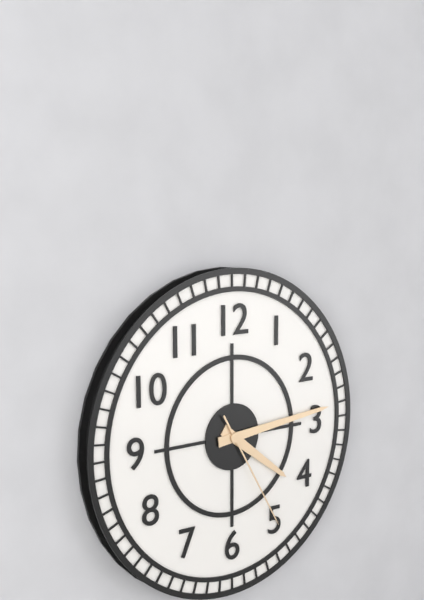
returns 4,14,25
